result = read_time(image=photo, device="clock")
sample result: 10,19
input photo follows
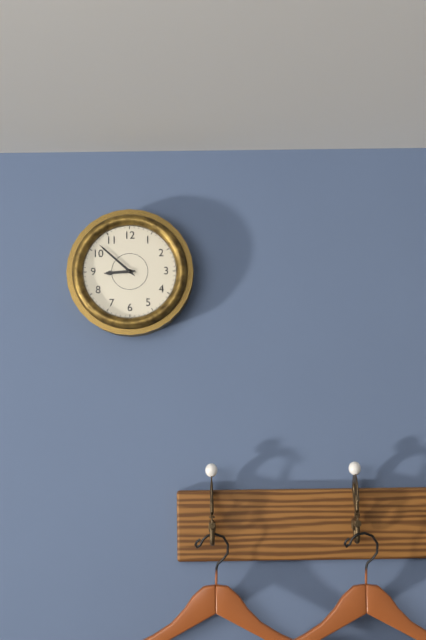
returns 8,52
